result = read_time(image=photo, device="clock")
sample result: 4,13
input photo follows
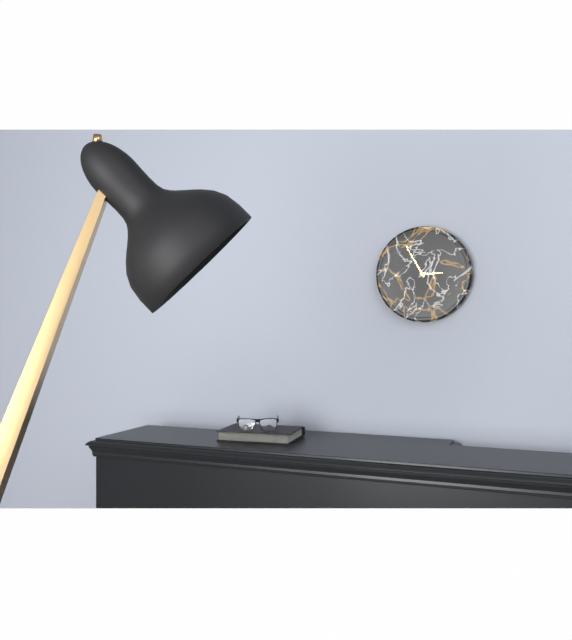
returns 2,55
